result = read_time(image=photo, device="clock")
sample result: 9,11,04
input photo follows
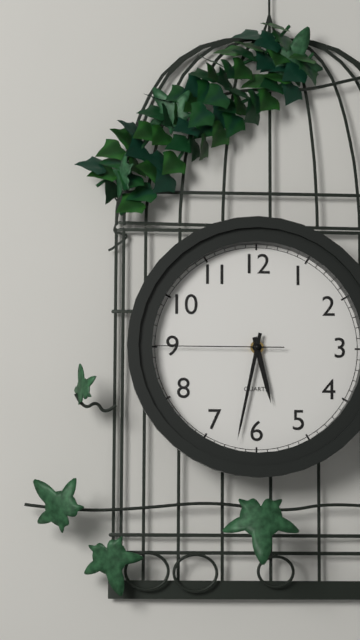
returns 5,32,45
